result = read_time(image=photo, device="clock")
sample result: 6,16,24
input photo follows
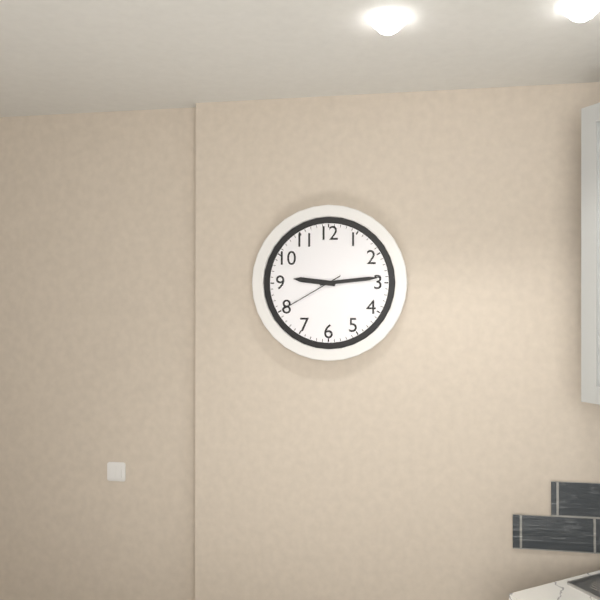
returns 9,14,40
